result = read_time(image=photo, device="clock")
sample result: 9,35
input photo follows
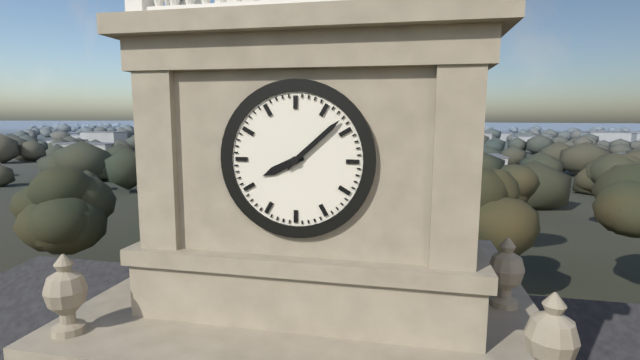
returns 8,08
